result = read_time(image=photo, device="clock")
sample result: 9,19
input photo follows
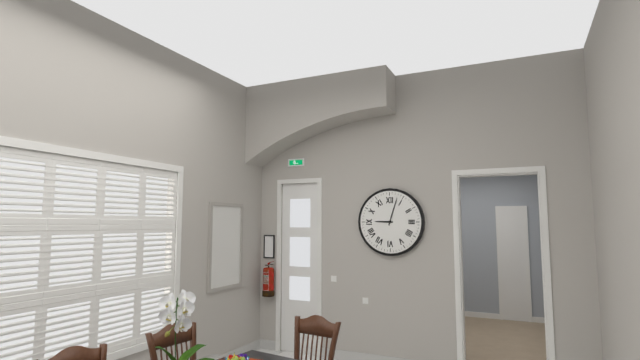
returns 9,03
